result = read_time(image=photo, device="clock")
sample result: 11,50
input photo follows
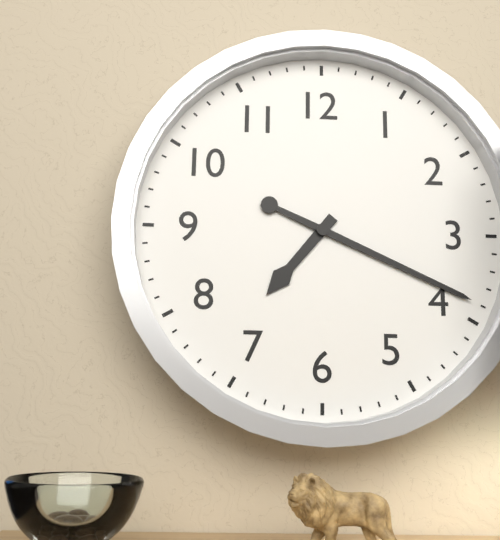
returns 7,19
